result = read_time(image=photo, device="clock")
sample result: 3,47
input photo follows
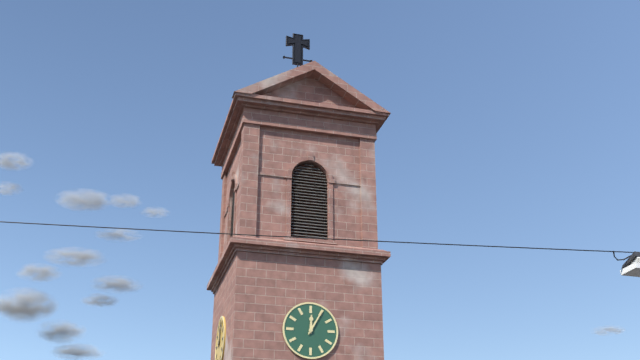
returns 12,05
